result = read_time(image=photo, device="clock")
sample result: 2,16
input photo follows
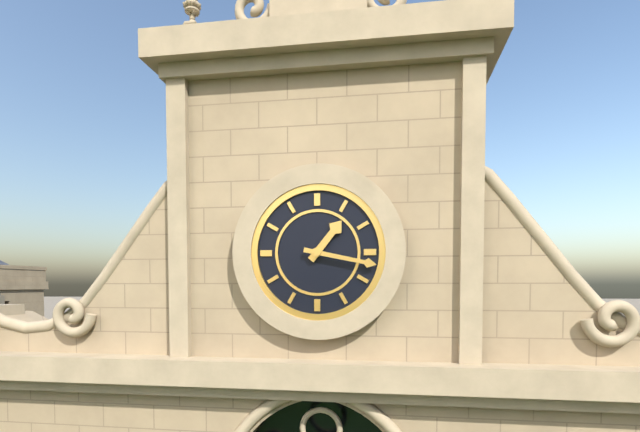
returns 1,17
